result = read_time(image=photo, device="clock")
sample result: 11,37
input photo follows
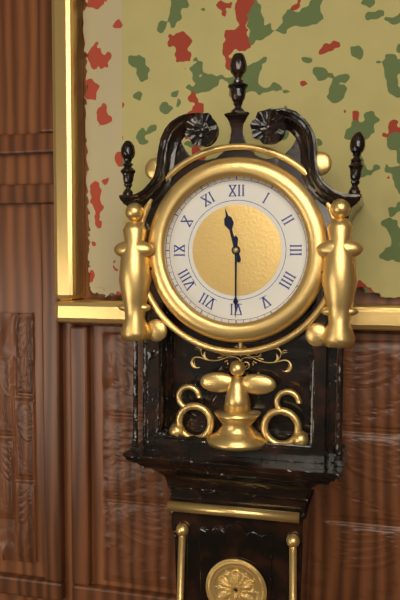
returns 11,30
